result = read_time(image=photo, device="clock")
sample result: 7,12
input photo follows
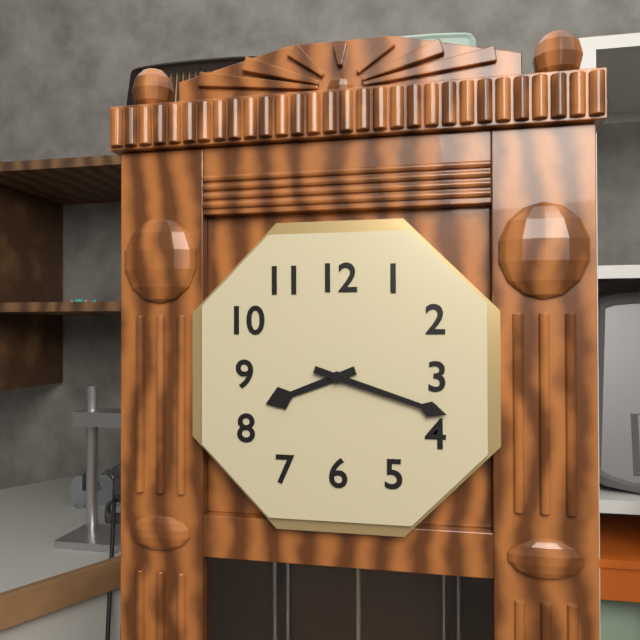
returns 8,18
